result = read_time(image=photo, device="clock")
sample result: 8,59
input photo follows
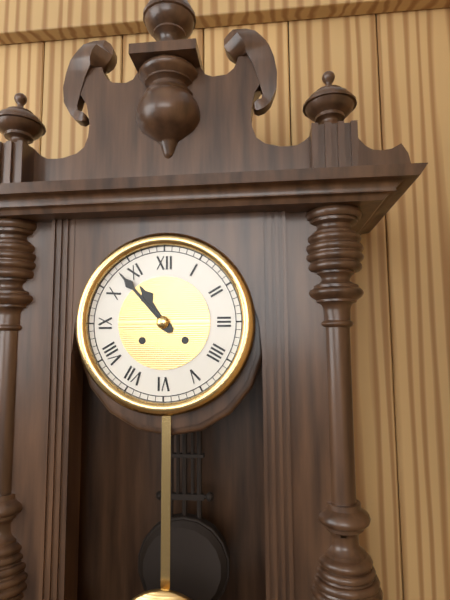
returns 10,53
